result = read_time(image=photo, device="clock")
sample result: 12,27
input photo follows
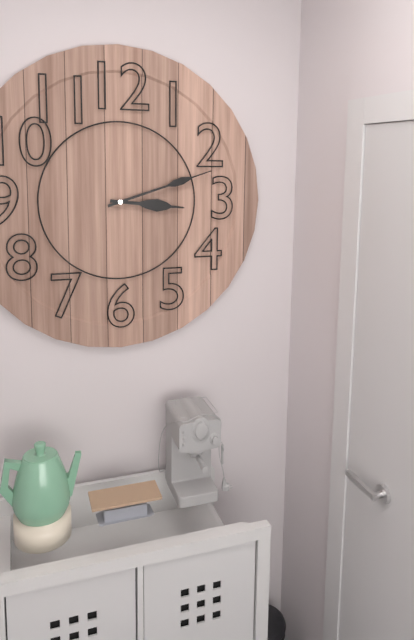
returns 3,12
